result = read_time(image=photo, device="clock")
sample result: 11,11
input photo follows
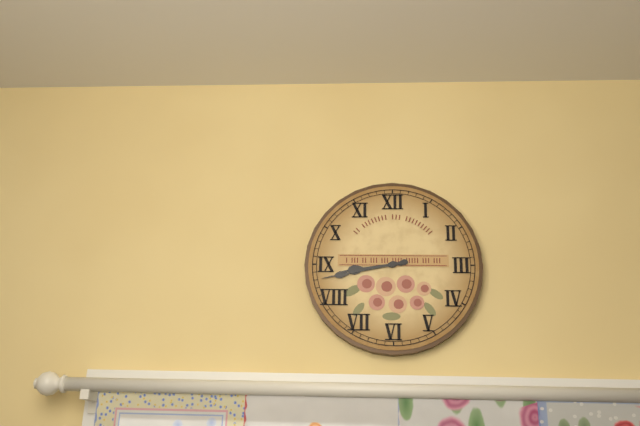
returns 8,43
